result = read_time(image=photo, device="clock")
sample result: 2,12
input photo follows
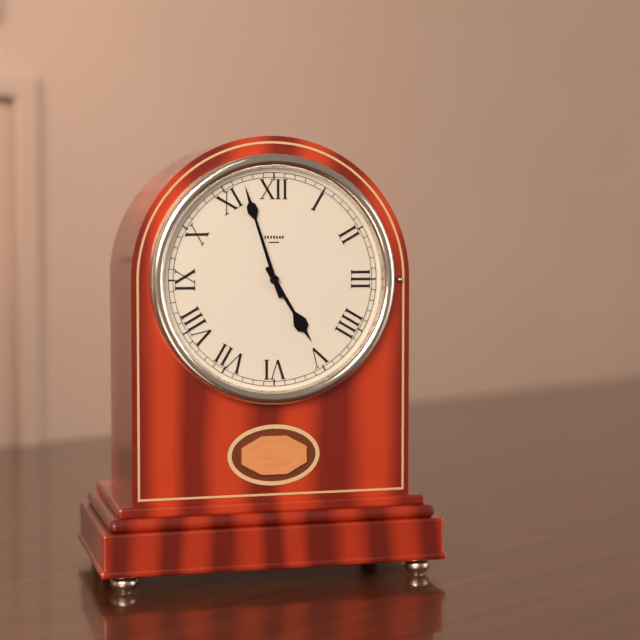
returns 4,57
